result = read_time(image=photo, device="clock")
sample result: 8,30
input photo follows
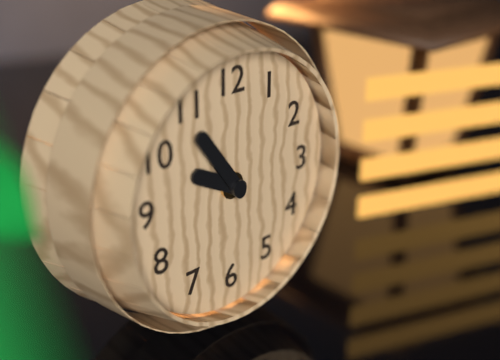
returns 9,54
